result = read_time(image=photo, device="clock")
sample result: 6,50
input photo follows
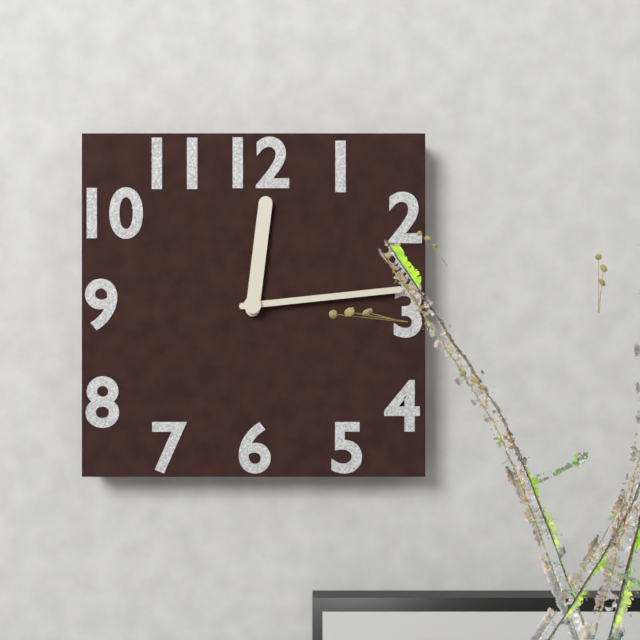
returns 12,14
